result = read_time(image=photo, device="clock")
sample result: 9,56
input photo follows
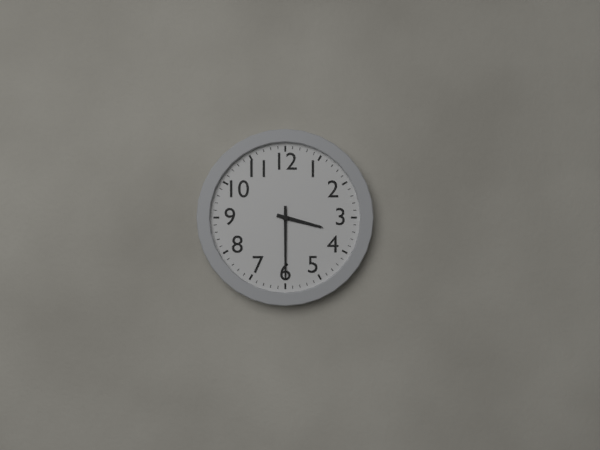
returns 3,30
